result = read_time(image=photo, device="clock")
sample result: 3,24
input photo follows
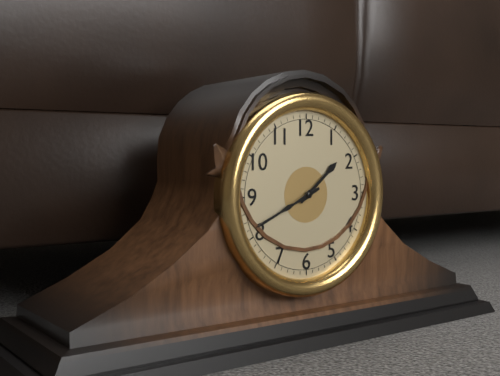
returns 1,41
